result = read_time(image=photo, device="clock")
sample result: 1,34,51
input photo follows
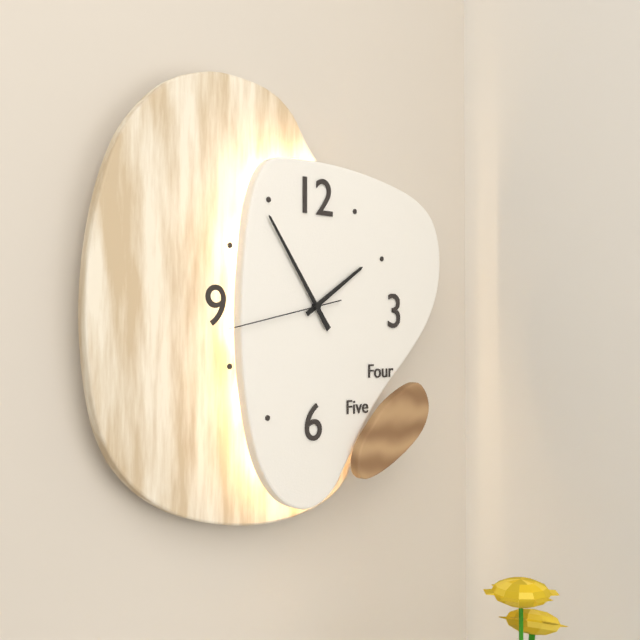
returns 1,54,43
